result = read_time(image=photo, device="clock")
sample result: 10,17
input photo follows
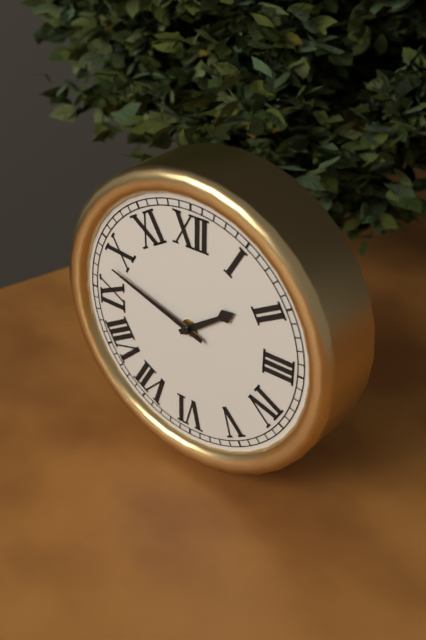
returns 1,48
